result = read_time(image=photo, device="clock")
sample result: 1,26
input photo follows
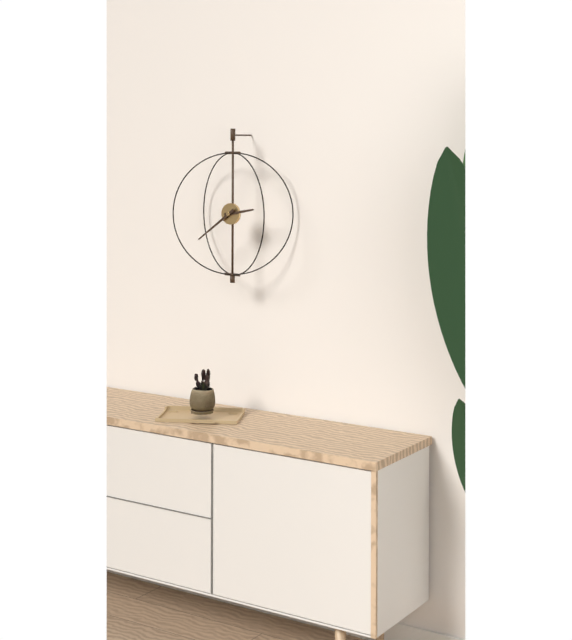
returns 2,39
